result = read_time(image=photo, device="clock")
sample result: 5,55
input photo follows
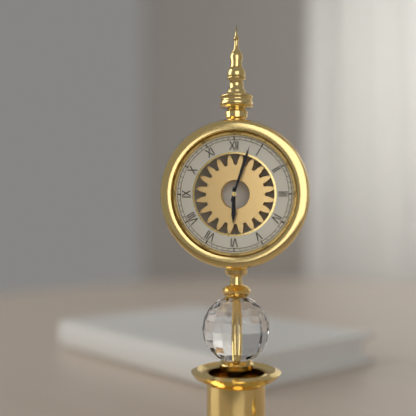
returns 6,03
